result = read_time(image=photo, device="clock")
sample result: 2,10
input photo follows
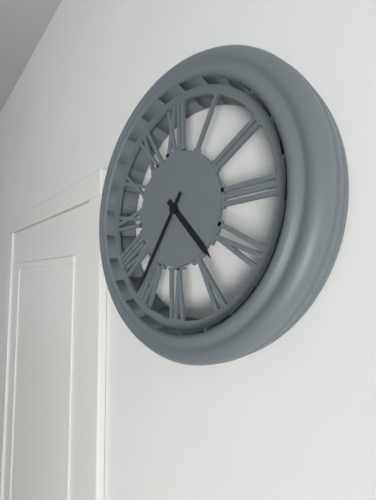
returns 4,36
